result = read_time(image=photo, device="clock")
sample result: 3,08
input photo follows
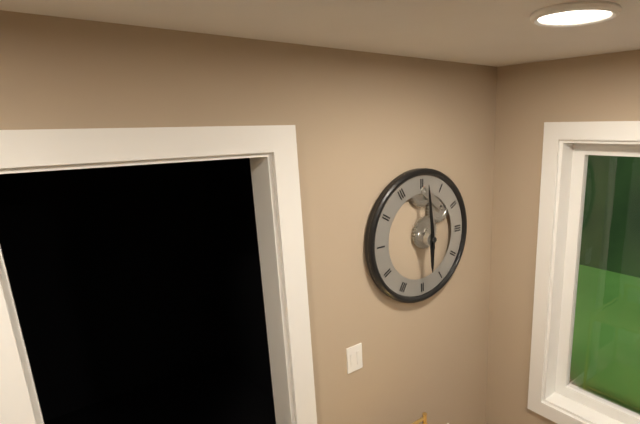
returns 5,59
